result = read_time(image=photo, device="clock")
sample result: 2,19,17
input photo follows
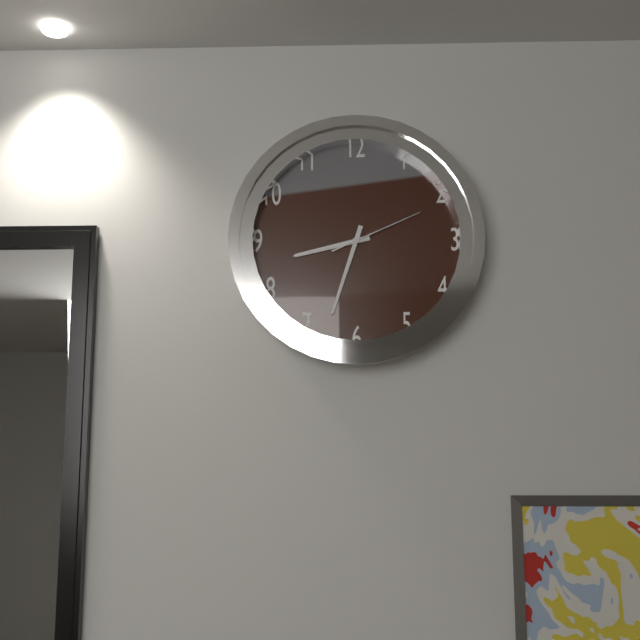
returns 8,33,11
